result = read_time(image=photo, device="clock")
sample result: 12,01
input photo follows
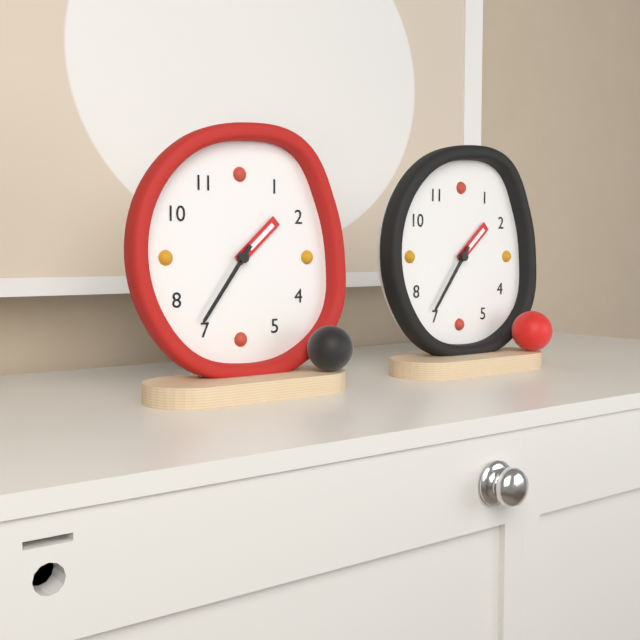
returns 1,36
